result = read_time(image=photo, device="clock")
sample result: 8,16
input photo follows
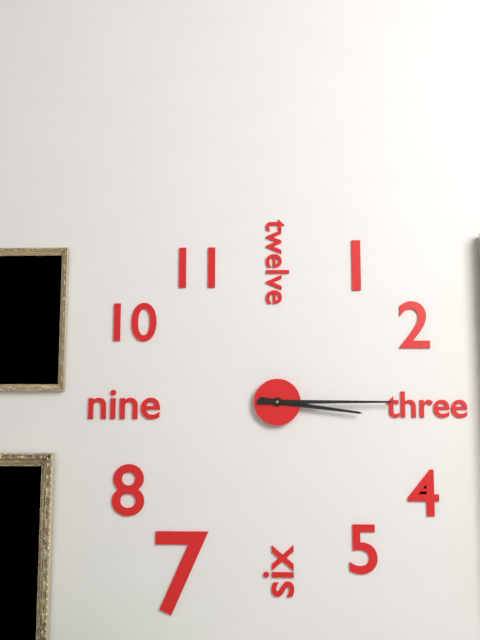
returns 3,15
